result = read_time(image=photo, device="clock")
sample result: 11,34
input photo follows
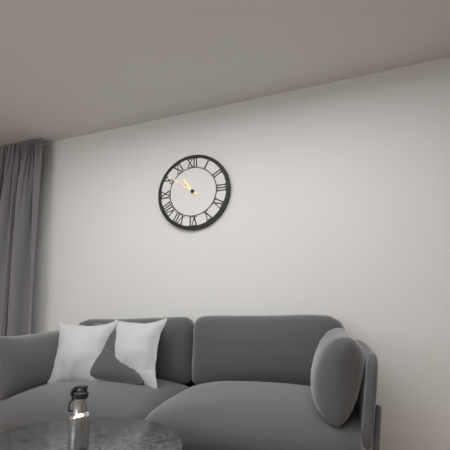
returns 10,51
